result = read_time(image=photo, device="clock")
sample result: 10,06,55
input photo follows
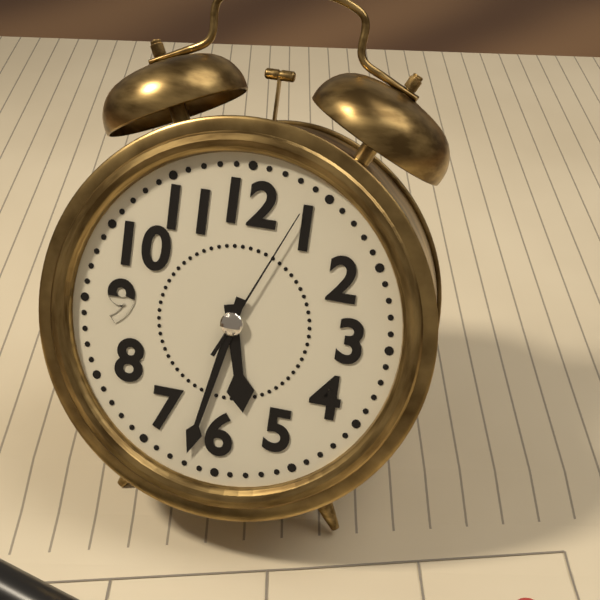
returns 5,32,04
